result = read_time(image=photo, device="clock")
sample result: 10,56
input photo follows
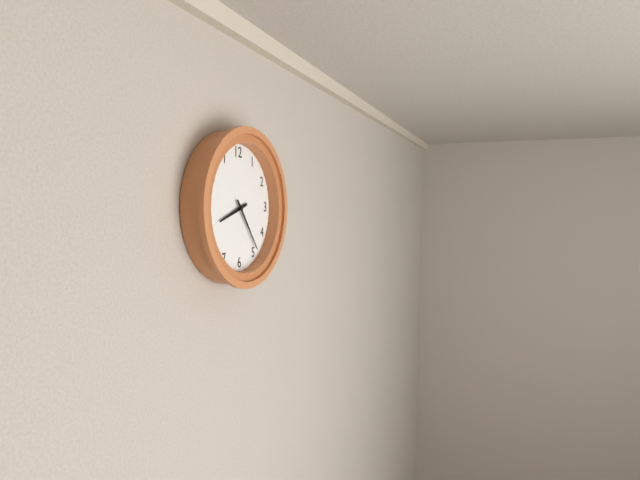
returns 8,24
